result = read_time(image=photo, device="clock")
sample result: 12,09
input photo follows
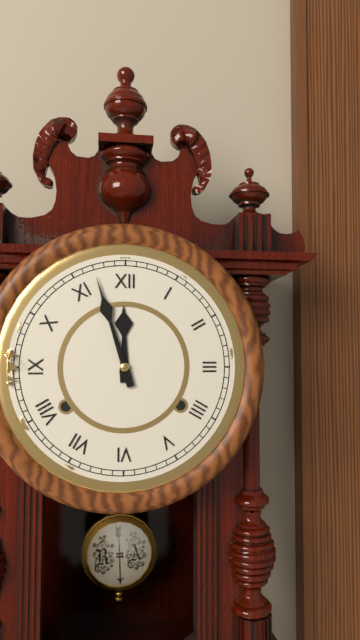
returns 11,57
